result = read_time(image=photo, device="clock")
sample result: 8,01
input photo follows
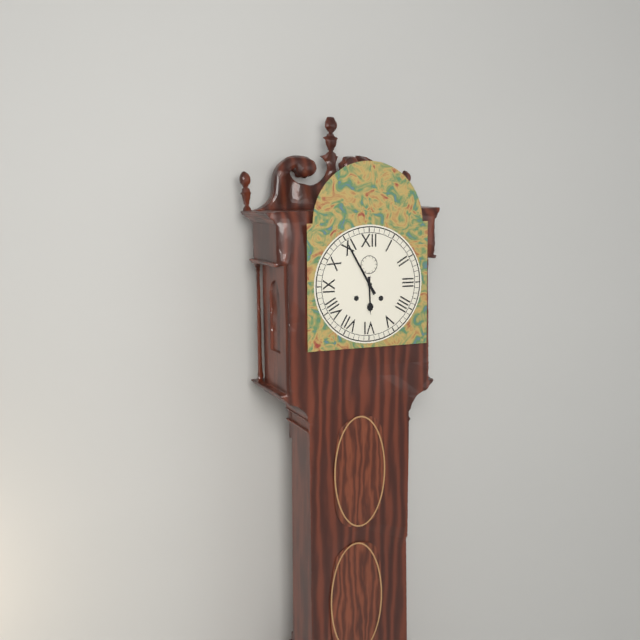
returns 5,55
